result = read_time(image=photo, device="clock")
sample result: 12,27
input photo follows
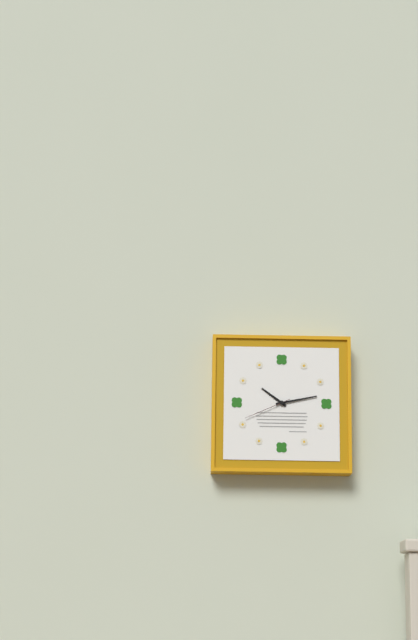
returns 10,13
